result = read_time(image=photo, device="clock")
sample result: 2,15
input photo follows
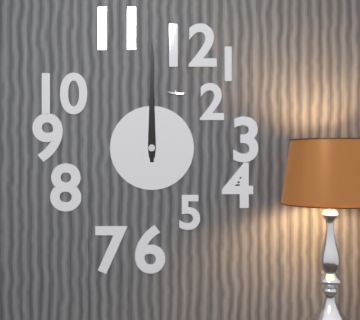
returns 12,00
